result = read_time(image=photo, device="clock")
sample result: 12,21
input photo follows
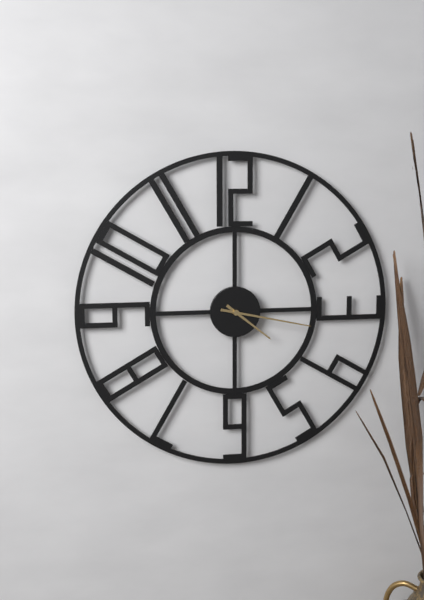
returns 4,17
